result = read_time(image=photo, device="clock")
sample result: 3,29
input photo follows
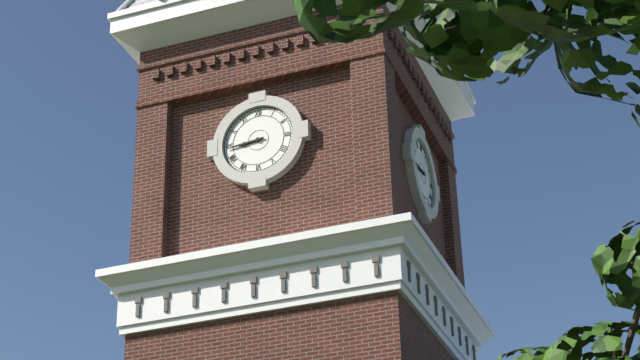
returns 8,44
